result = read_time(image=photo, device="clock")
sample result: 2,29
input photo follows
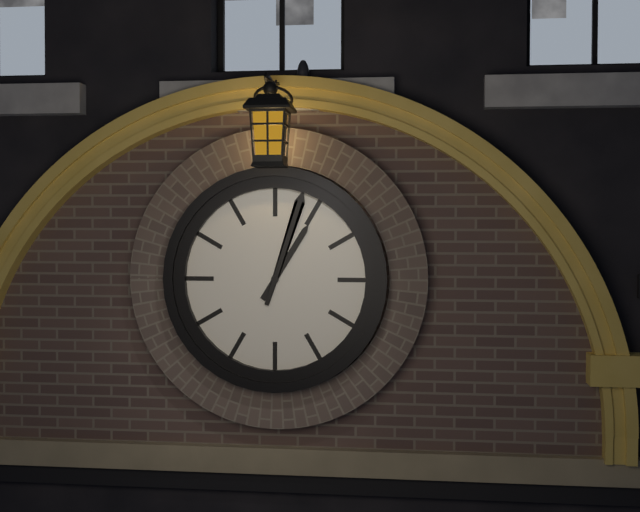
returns 1,03
